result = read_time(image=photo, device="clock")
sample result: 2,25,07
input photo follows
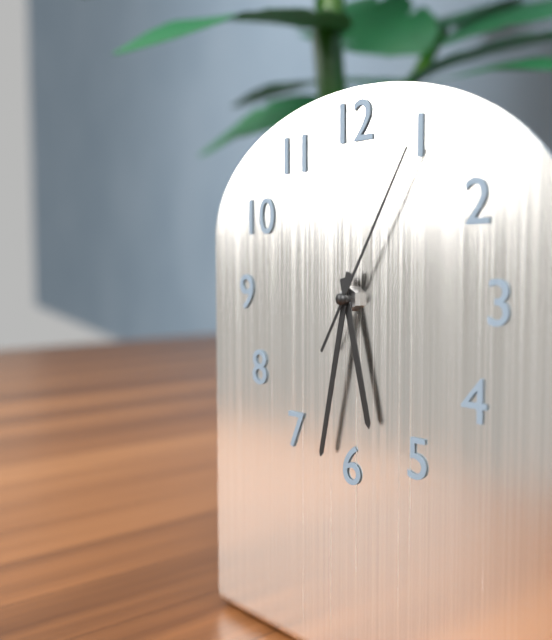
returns 5,32,05
